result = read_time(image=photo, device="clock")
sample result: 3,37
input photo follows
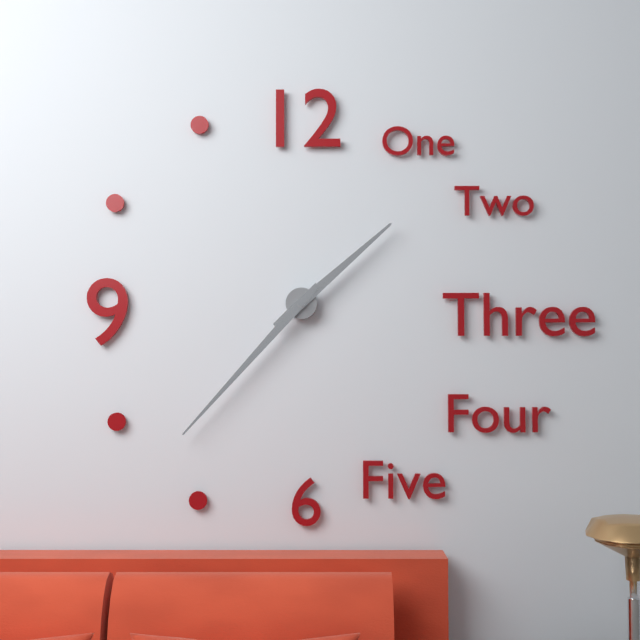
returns 1,37
